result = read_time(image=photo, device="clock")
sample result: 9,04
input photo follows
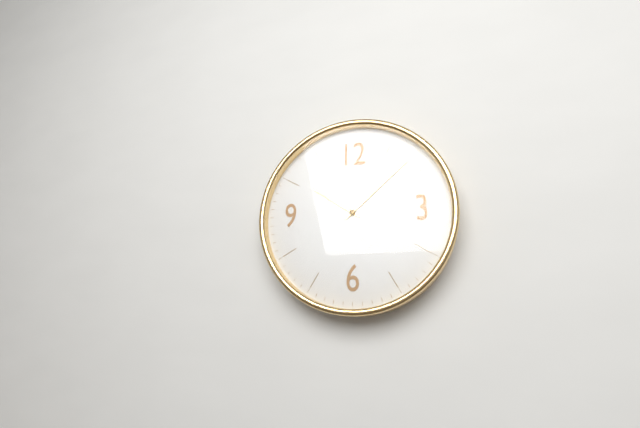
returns 10,08
